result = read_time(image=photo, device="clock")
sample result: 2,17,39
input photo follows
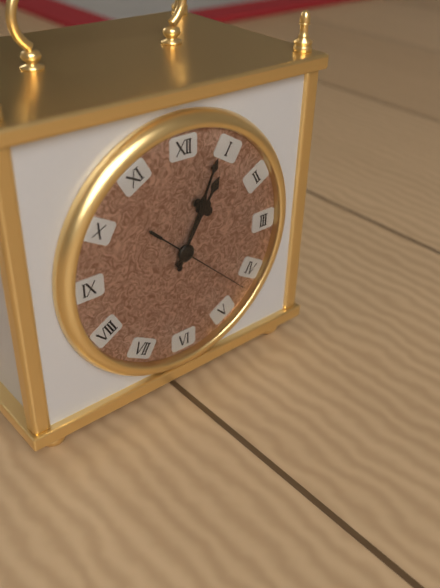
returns 1,04,22
